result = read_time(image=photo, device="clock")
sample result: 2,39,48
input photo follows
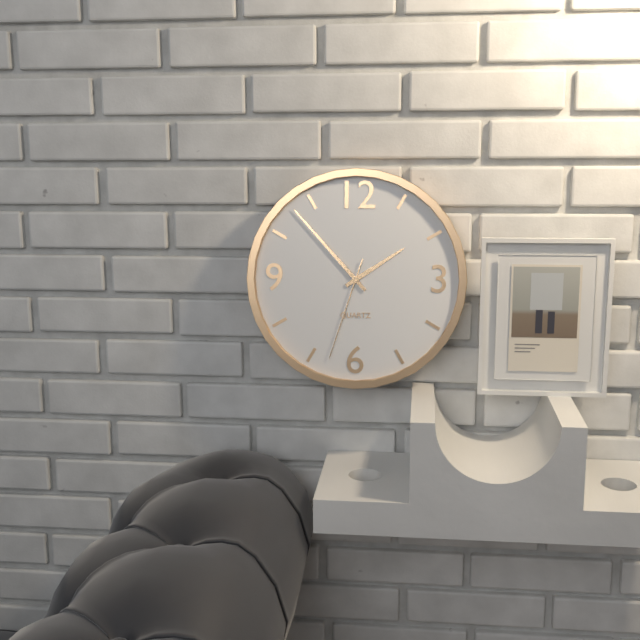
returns 1,53,33
